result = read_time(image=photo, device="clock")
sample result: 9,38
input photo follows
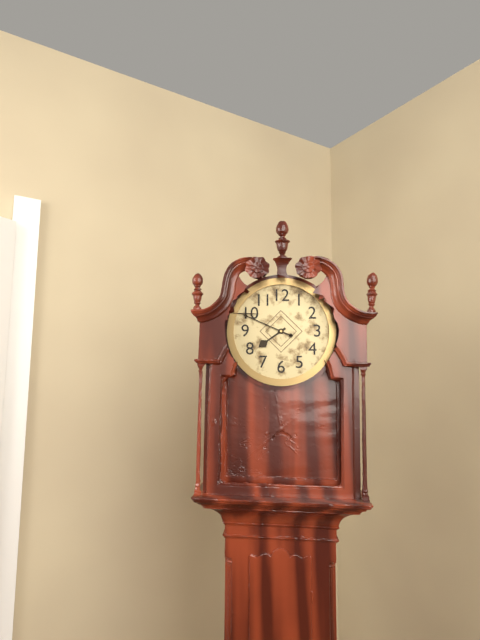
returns 7,49
